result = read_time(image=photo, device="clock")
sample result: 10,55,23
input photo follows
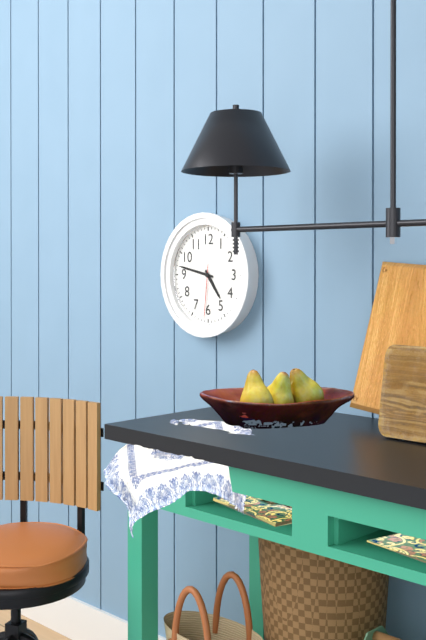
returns 4,47,31
